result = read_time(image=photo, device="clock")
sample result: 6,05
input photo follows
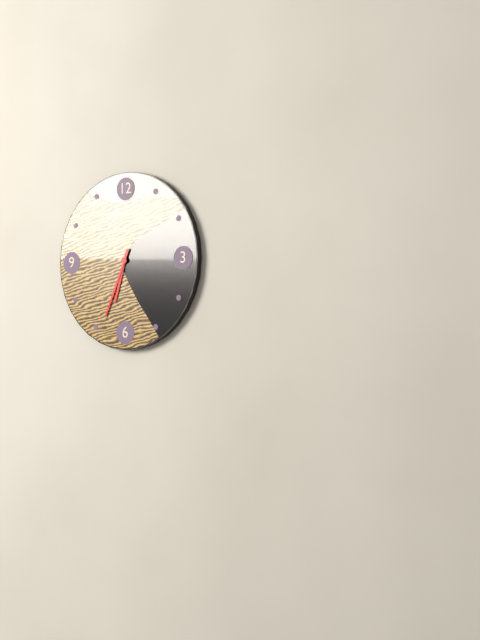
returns 6,34
